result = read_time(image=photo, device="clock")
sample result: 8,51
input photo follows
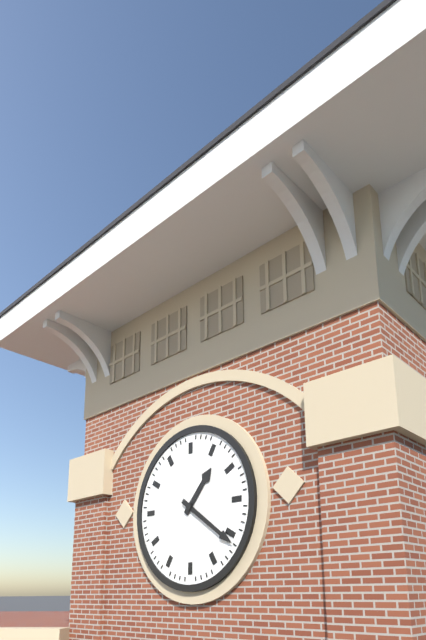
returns 1,21
